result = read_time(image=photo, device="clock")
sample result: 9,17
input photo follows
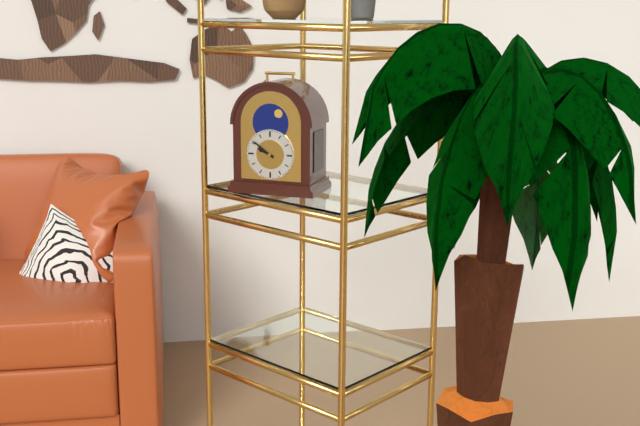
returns 9,51
